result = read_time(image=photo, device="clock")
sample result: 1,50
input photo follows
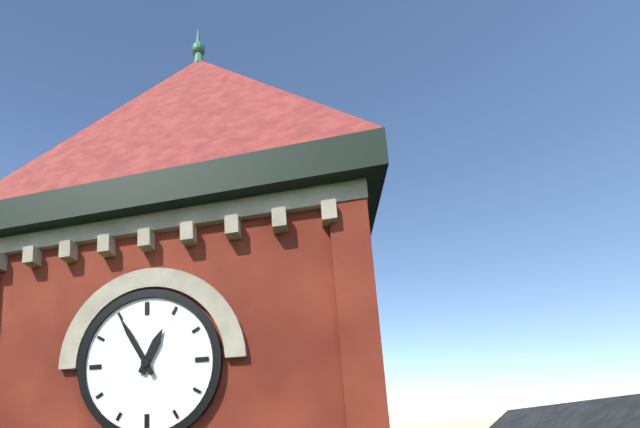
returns 12,55
